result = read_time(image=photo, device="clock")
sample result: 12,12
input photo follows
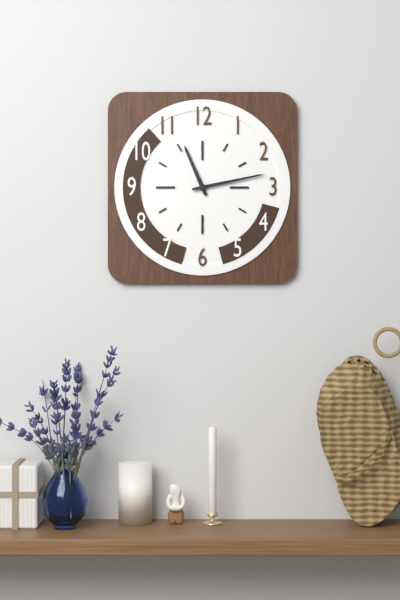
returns 11,13
